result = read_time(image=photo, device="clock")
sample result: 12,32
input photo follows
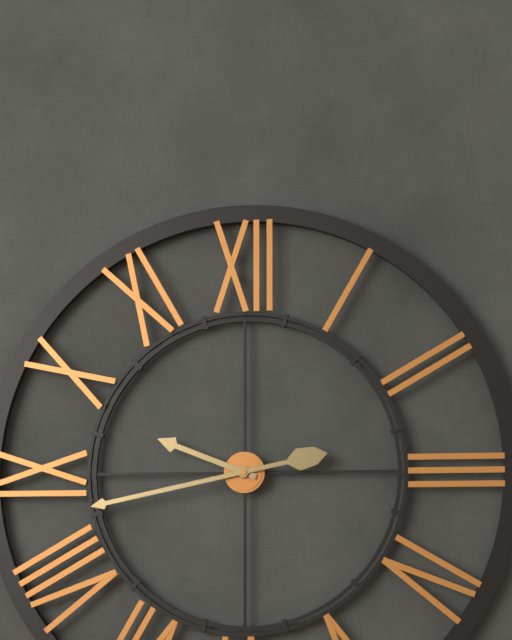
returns 9,43
